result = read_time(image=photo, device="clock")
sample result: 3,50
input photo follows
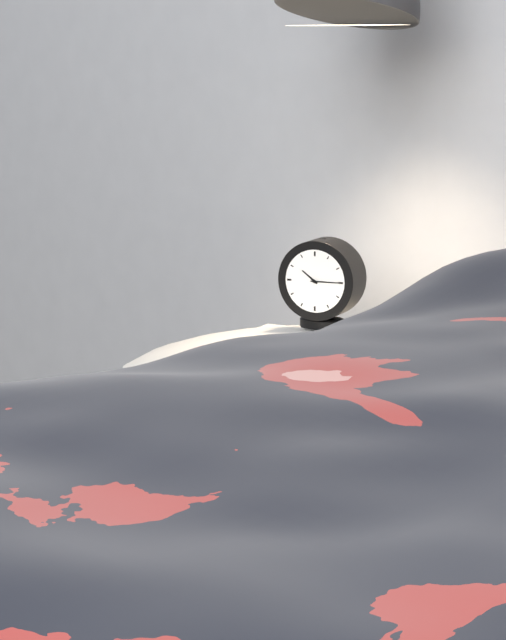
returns 10,15
